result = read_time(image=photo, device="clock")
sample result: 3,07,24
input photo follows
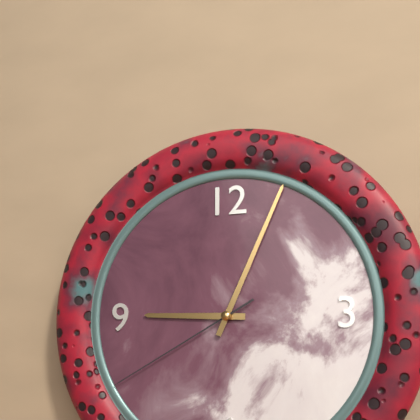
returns 9,04,40
